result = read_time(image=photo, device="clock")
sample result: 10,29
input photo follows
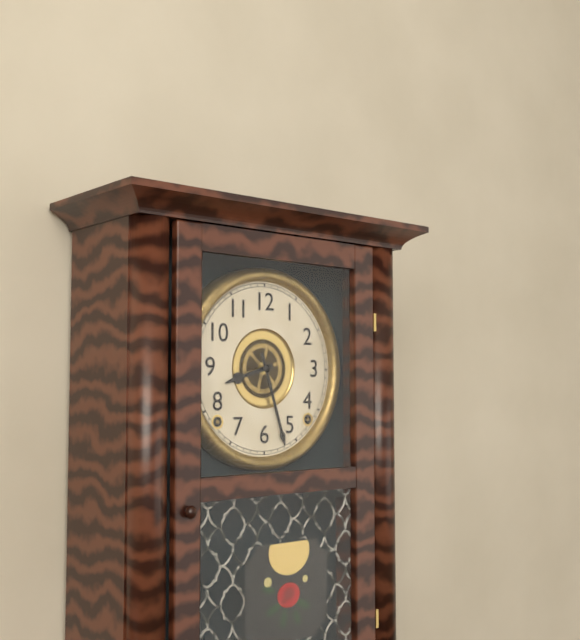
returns 8,27
